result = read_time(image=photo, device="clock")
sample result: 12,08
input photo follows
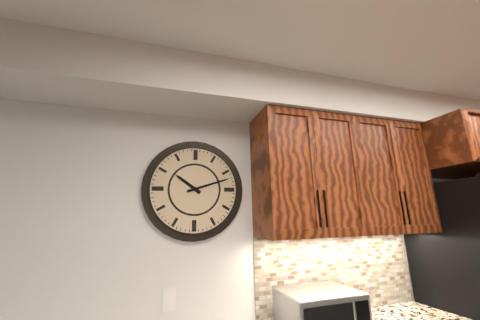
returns 10,12
